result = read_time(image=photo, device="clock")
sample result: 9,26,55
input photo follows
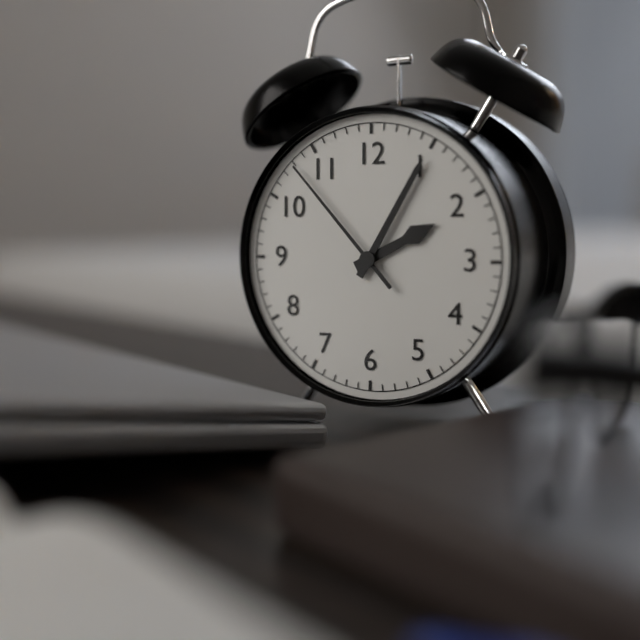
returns 2,05,53
